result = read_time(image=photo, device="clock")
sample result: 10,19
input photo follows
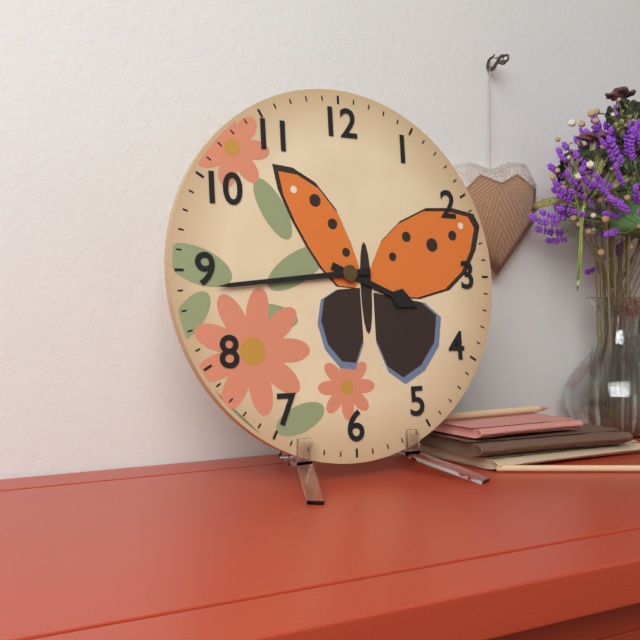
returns 3,44
